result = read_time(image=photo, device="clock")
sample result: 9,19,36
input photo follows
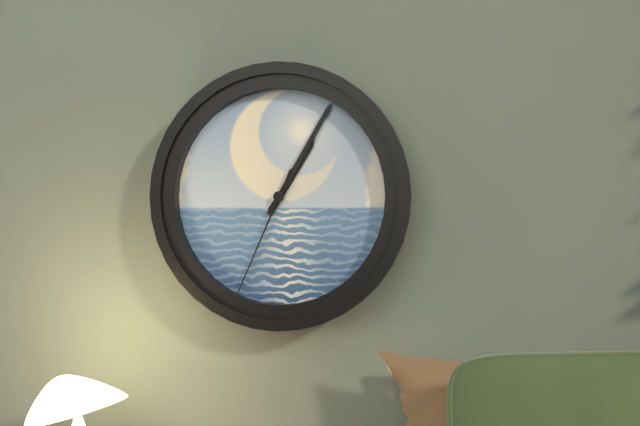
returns 1,05,34
